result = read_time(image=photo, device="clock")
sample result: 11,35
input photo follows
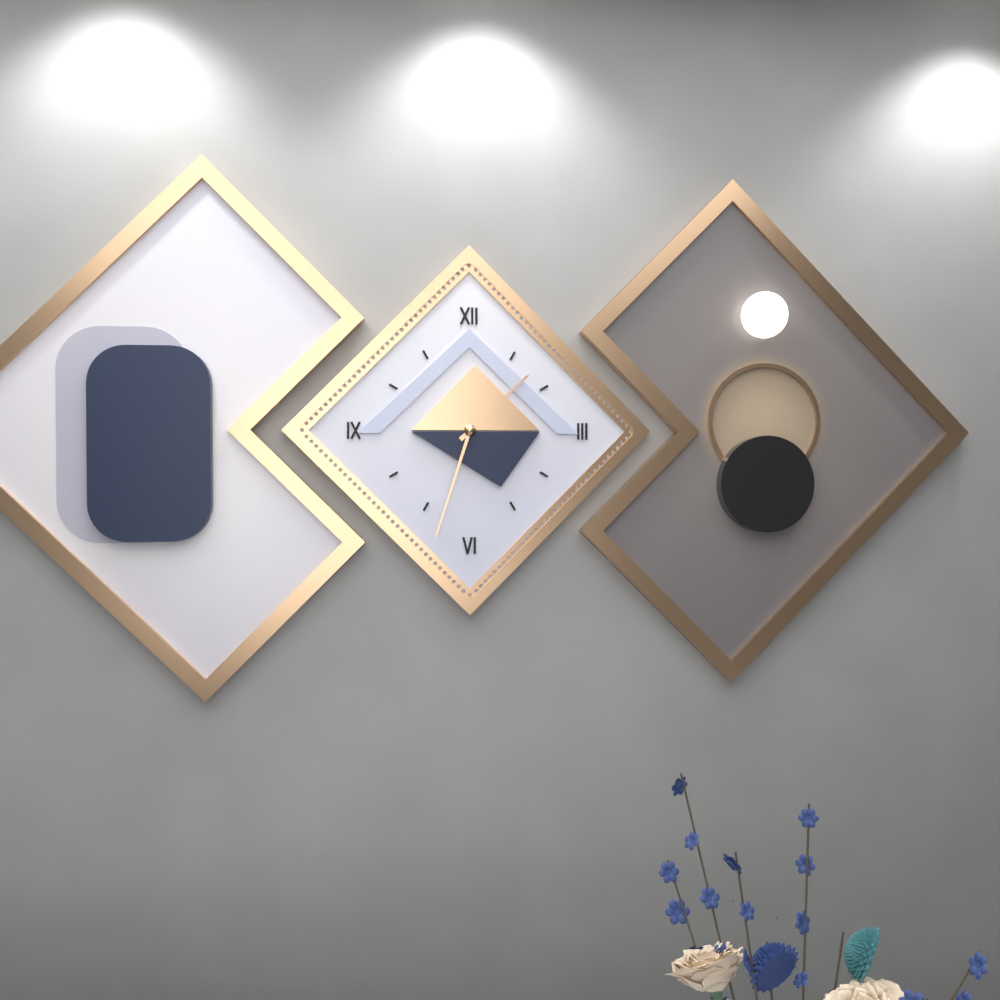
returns 1,33
